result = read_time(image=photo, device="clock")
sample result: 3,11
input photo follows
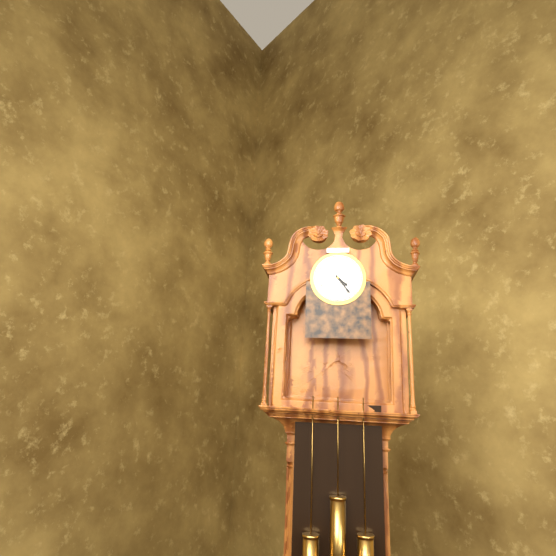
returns 4,24
